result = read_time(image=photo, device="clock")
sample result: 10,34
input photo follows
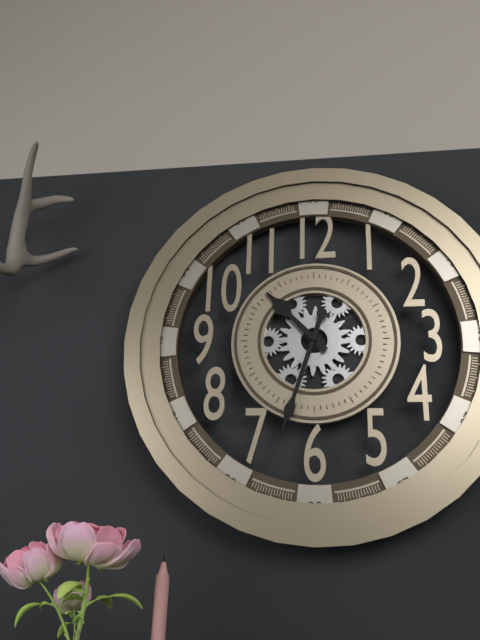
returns 10,33
